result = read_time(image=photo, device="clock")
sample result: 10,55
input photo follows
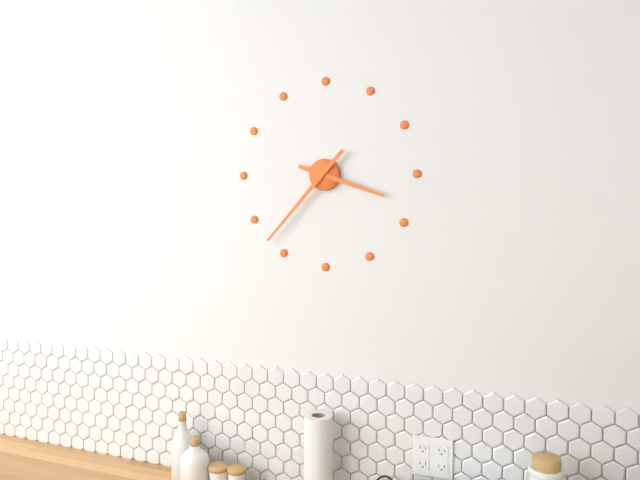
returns 3,37
